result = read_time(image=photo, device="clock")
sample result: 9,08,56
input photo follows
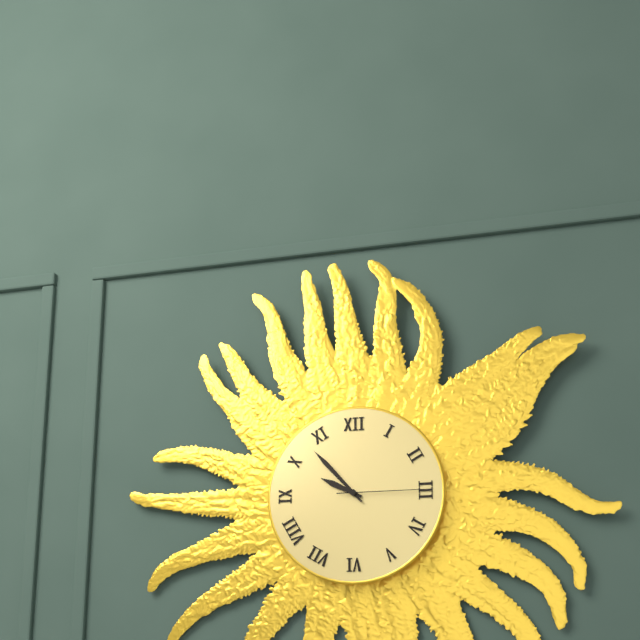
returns 9,53,15
